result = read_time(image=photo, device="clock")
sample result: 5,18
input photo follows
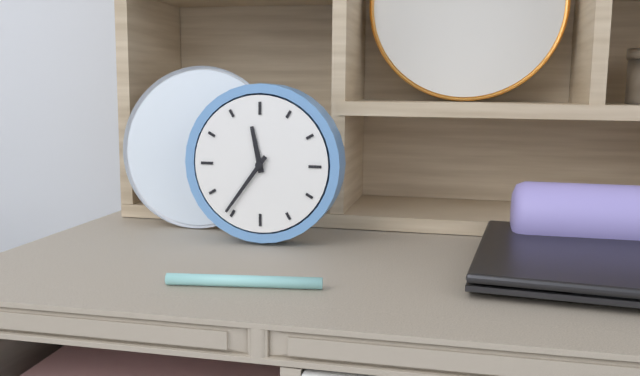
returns 11,36
